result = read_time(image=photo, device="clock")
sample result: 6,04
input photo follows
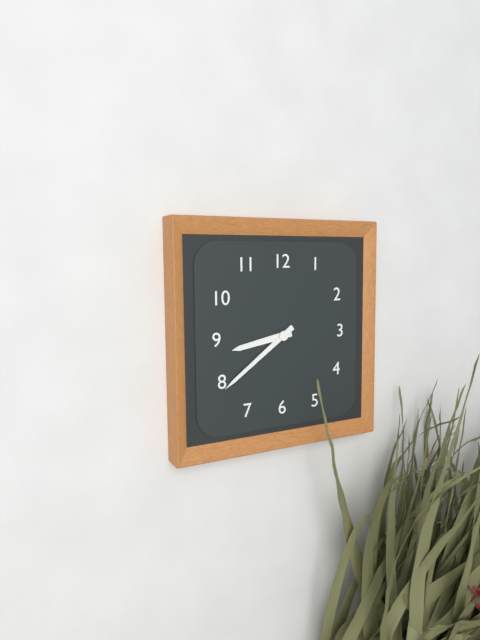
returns 8,39
